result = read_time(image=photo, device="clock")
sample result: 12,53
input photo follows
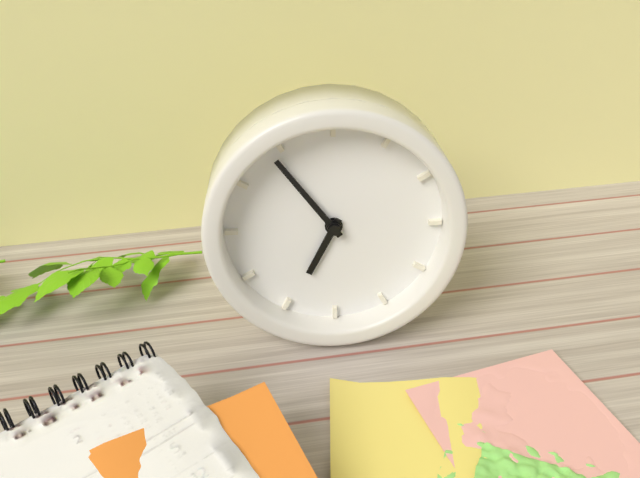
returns 6,54
